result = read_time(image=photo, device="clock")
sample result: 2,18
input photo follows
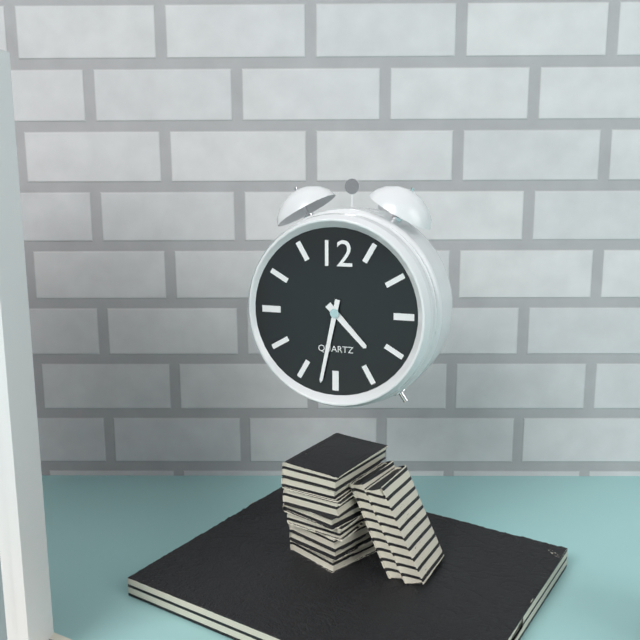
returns 4,32
